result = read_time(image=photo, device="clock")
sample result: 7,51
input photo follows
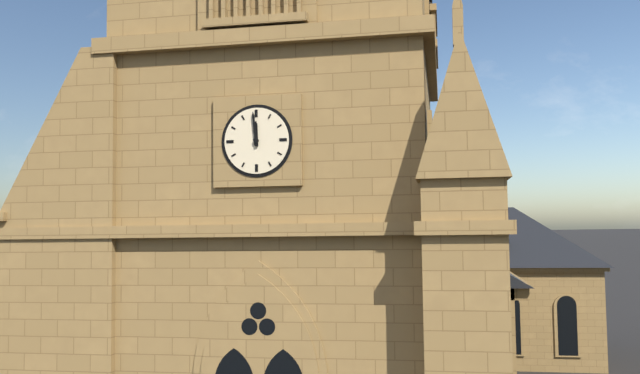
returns 11,59
